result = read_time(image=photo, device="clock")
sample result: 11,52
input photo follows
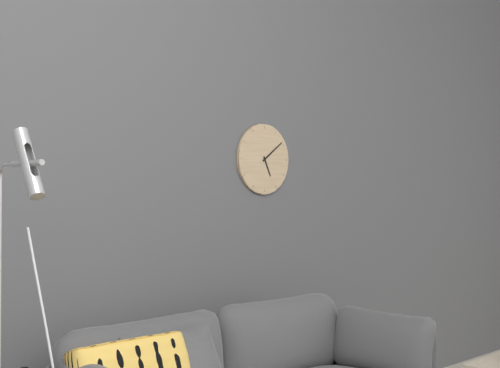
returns 5,09
